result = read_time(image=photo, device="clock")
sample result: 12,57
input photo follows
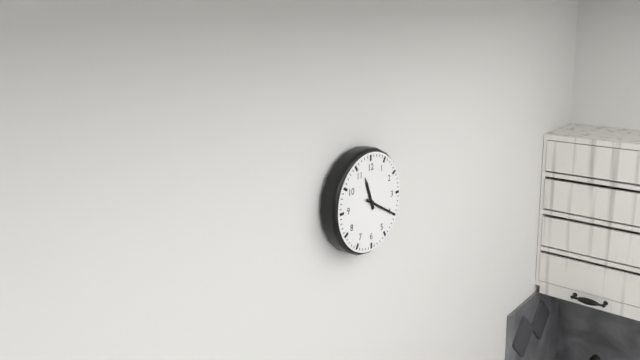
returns 11,20
